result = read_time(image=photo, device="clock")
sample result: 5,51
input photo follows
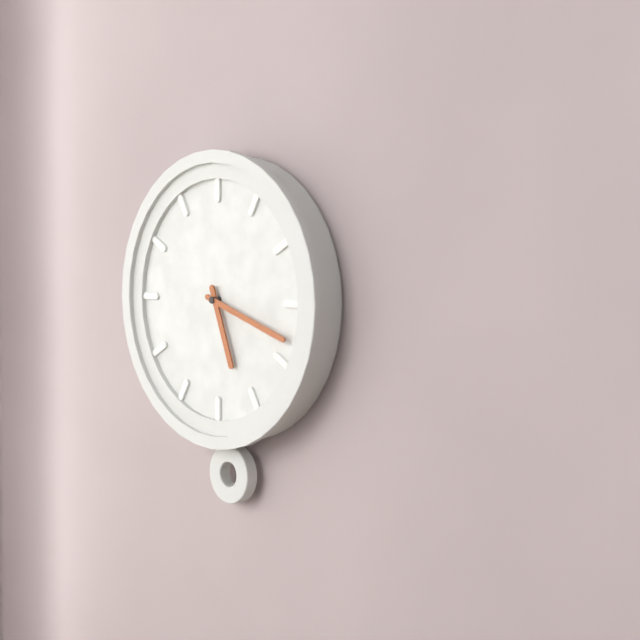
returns 5,18
